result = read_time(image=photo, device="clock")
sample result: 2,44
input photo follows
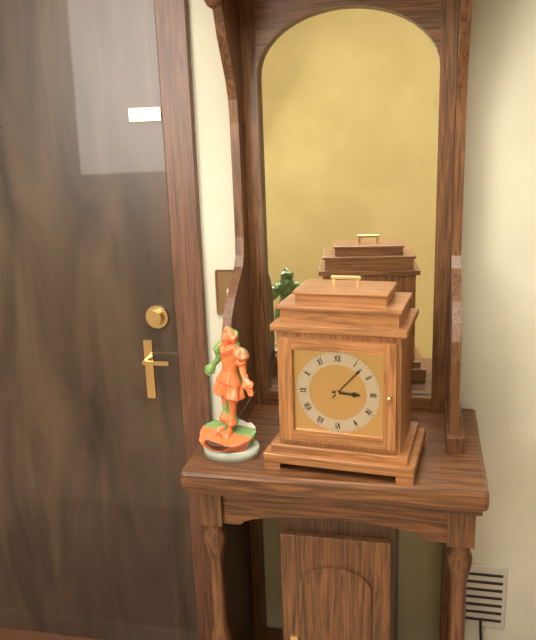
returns 3,07
